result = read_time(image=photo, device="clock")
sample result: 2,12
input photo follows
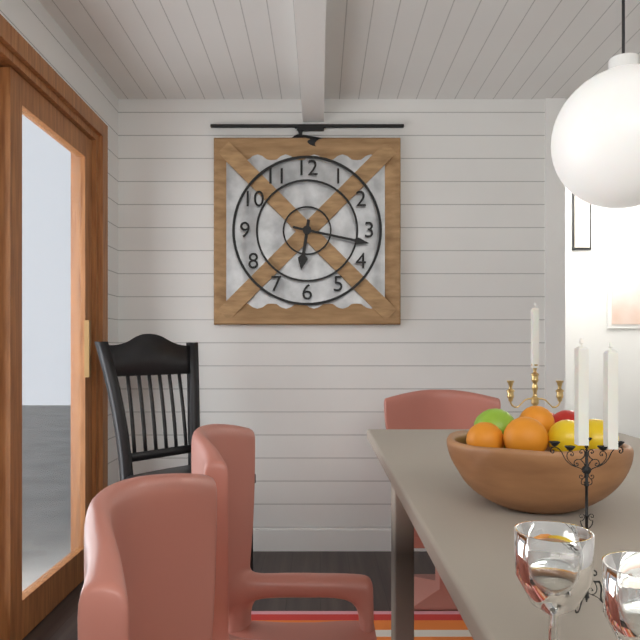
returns 6,17
